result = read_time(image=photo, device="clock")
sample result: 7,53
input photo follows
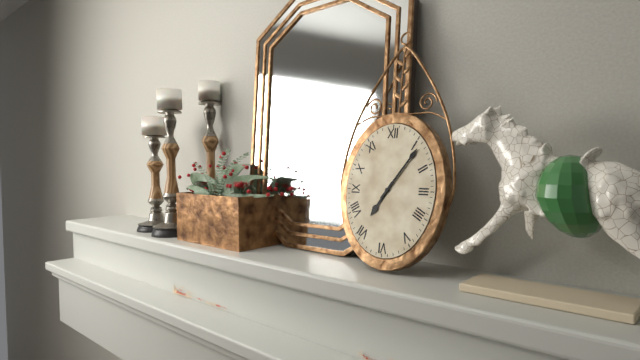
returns 7,06
